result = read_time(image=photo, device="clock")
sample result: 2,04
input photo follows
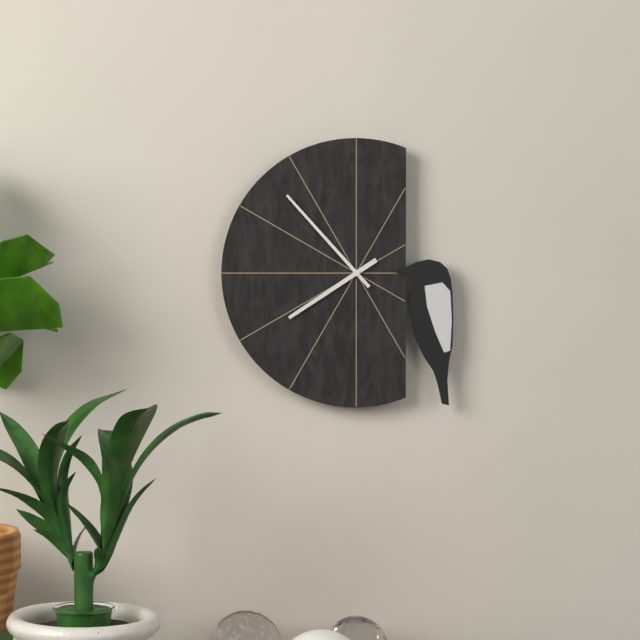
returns 7,53
